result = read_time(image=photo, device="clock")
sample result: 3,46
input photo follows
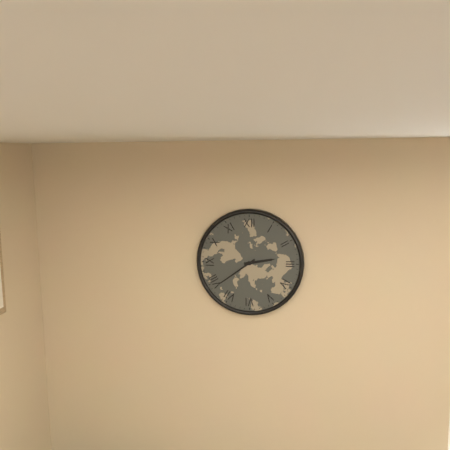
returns 2,39
